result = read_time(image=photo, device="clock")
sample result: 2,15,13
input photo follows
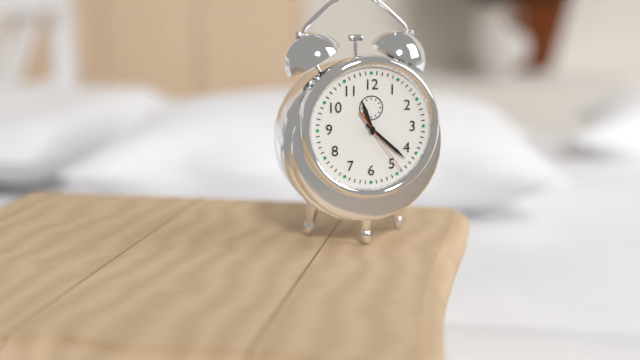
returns 11,22,24
